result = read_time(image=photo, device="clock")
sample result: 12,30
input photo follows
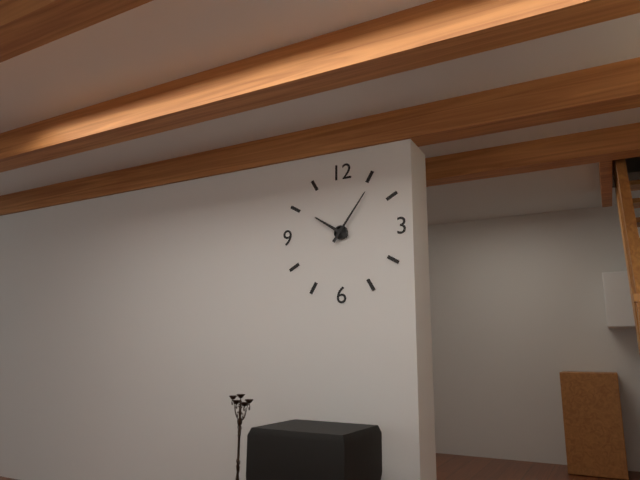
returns 10,06
